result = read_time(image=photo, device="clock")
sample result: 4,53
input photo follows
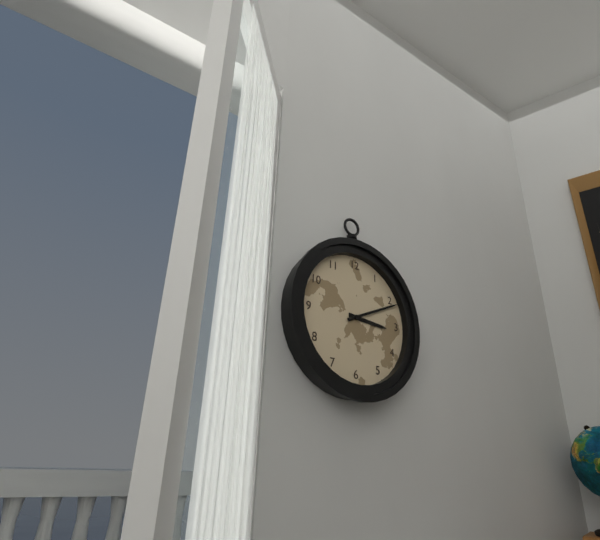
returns 3,11
